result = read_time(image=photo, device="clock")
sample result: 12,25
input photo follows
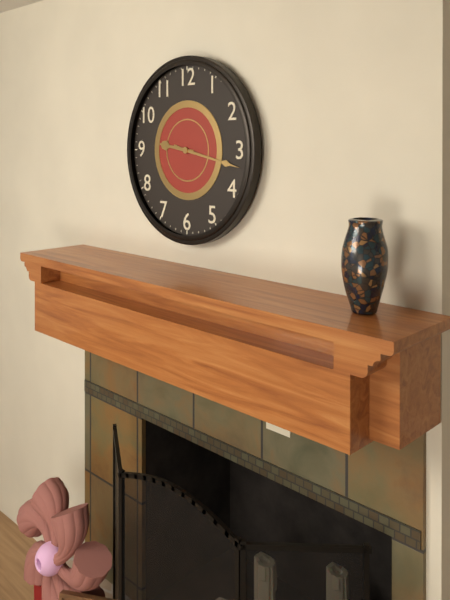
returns 9,17
